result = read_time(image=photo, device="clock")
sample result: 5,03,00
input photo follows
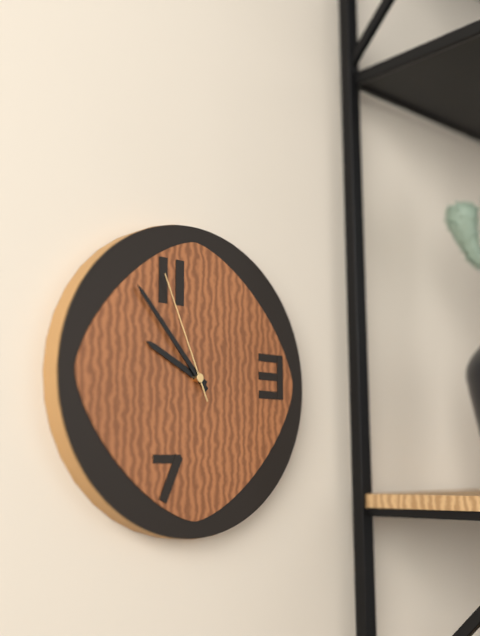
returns 9,53,56
